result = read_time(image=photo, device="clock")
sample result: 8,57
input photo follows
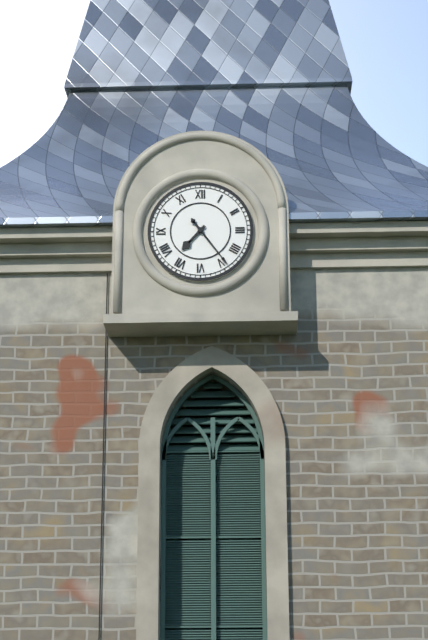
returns 7,24
